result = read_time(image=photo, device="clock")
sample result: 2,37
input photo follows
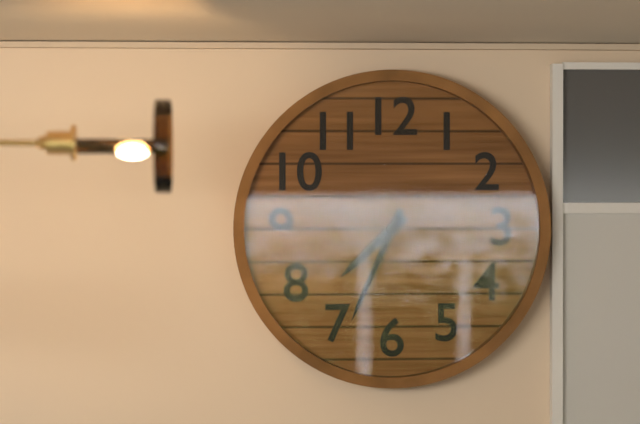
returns 7,34
